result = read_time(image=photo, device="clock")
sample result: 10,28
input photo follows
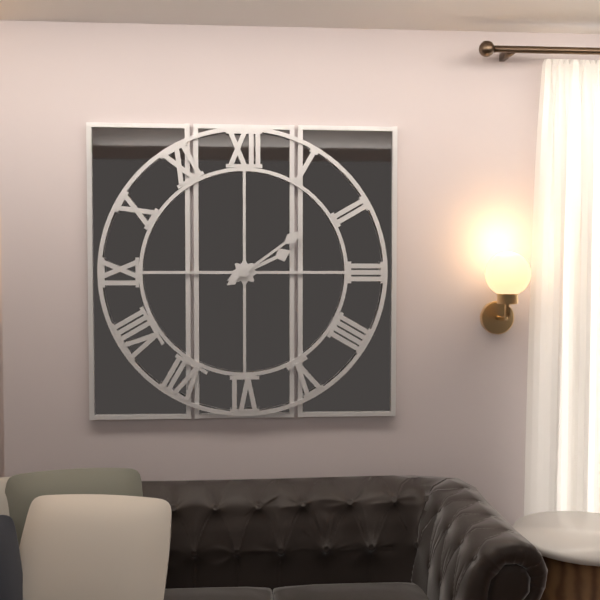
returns 2,09
